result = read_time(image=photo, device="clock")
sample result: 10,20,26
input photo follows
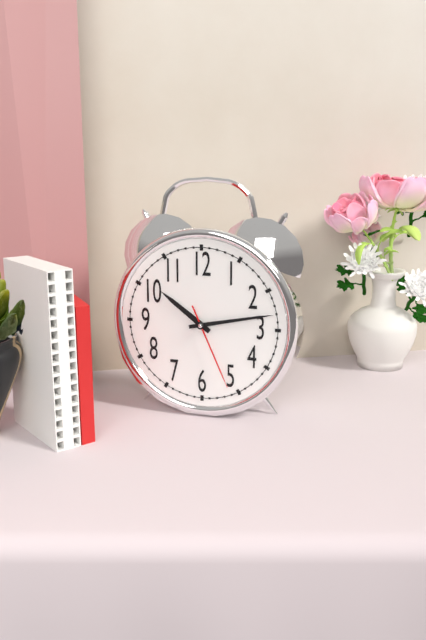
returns 10,13,26
